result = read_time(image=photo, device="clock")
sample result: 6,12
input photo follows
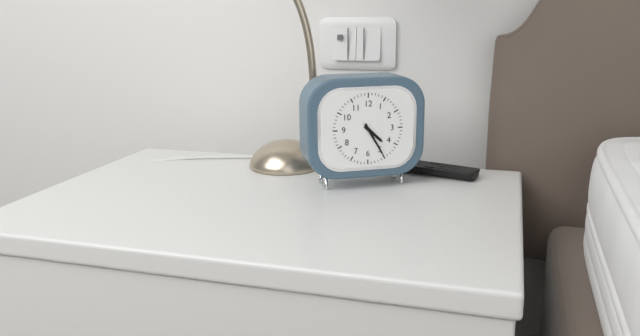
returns 4,25
